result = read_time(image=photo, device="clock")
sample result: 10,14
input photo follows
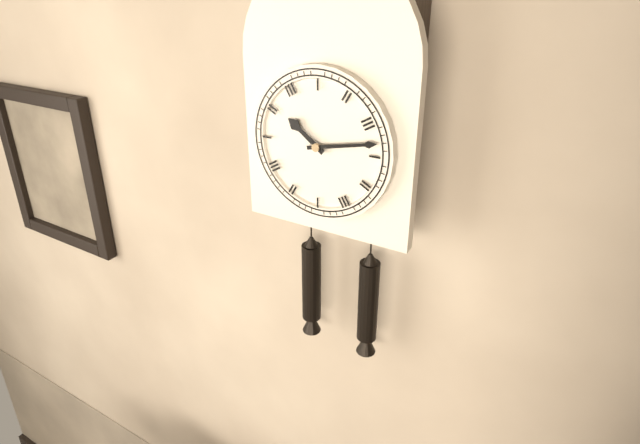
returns 10,13
